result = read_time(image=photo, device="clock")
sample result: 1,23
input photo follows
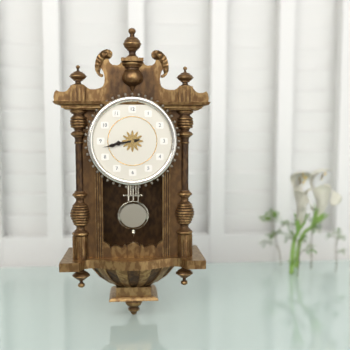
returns 8,43
